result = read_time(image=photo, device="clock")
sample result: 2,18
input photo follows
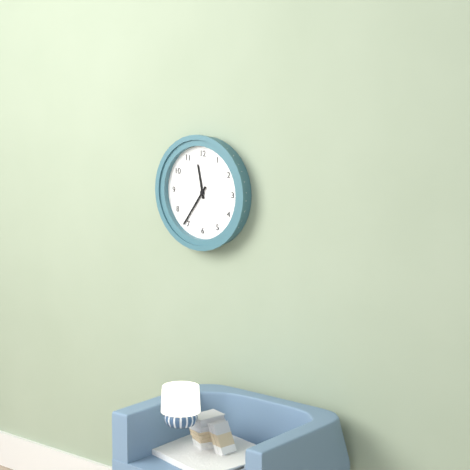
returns 11,36
